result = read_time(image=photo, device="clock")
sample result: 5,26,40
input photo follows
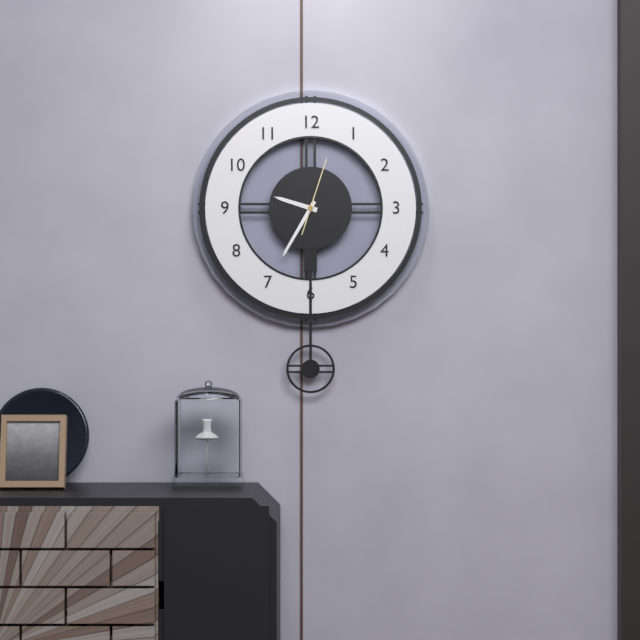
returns 9,35,03
